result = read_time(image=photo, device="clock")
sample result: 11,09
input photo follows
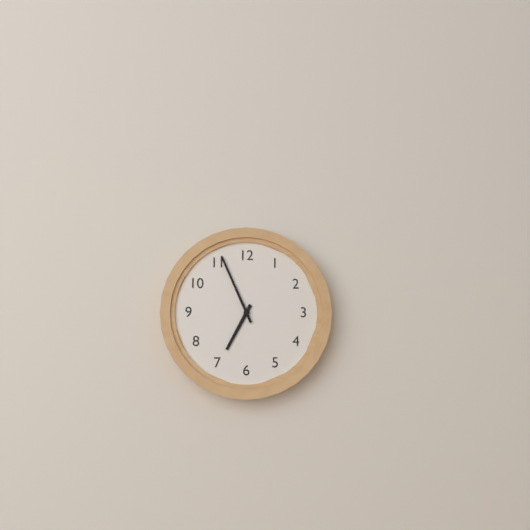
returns 6,56
